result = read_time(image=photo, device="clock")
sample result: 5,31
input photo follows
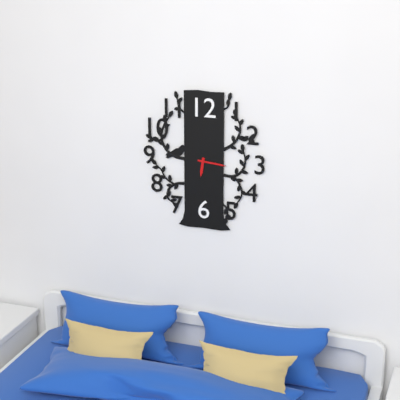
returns 6,16
